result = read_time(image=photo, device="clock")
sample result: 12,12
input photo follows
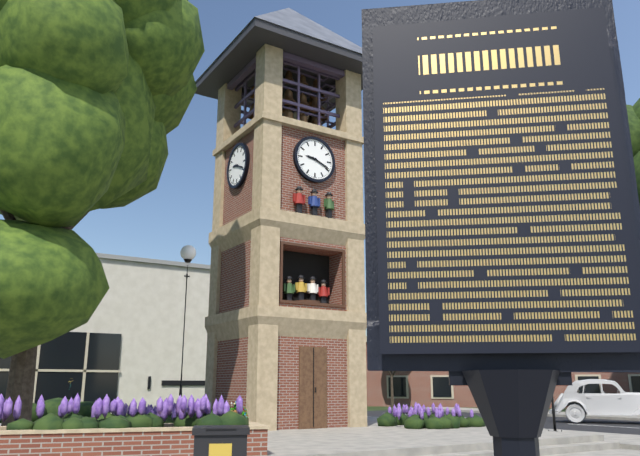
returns 9,19
